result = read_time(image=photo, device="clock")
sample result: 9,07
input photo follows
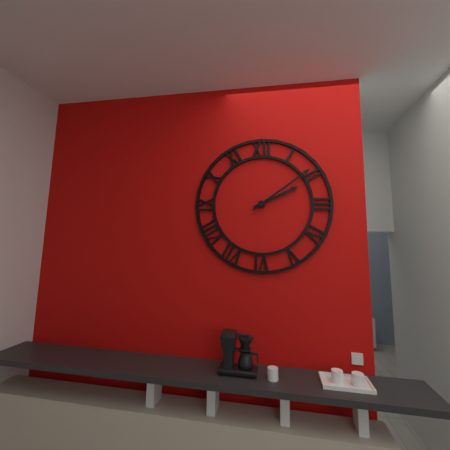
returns 2,09
